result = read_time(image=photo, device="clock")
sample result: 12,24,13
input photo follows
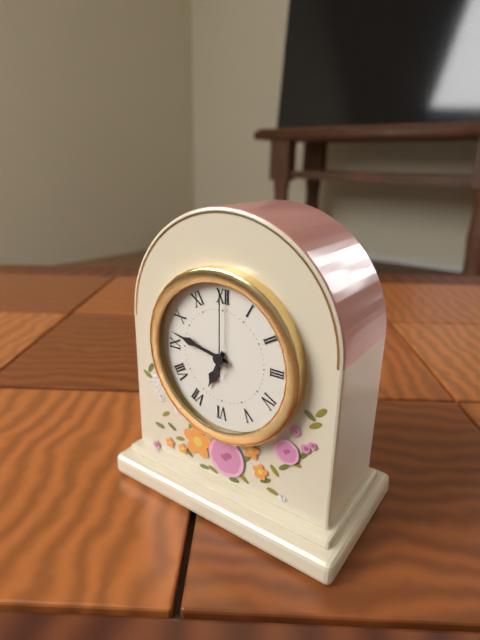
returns 6,47,00
